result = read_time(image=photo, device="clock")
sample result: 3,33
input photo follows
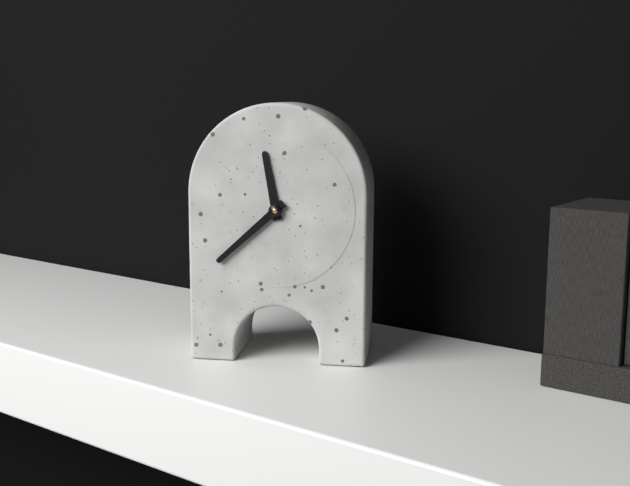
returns 11,38
